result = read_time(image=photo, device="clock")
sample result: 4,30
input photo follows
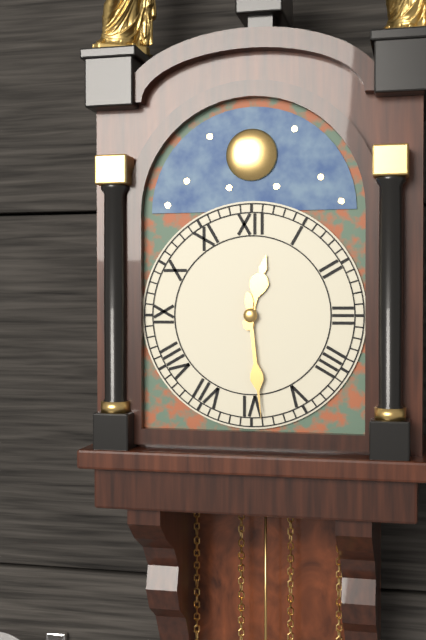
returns 12,29
